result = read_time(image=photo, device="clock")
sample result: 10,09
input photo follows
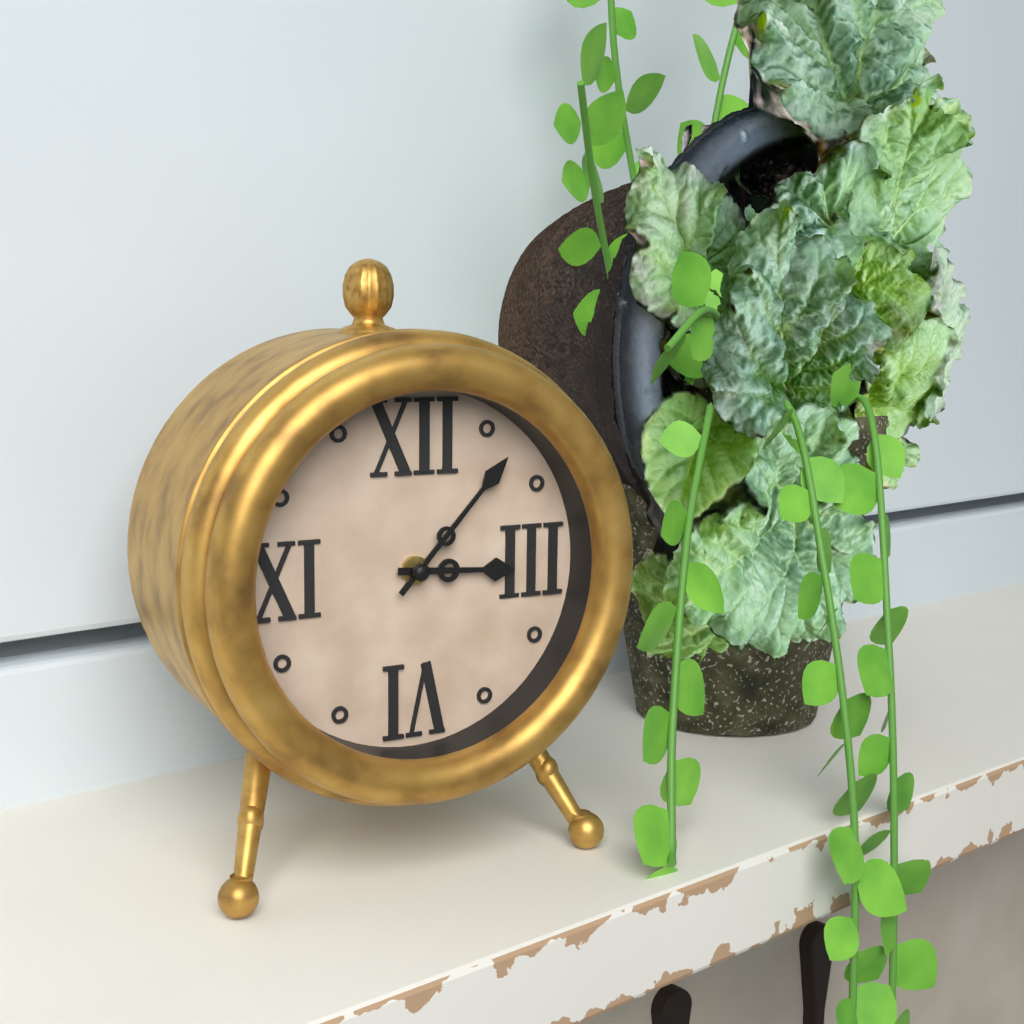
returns 3,07
